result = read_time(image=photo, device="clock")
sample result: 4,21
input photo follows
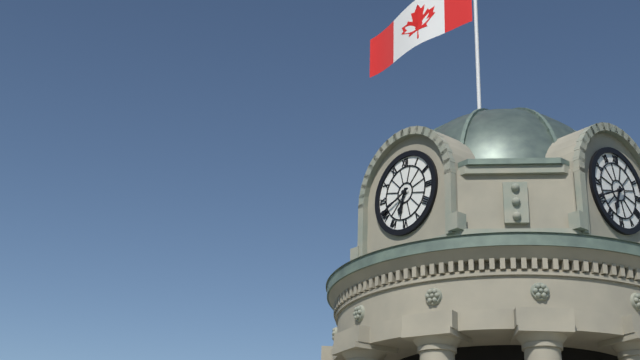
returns 6,41
